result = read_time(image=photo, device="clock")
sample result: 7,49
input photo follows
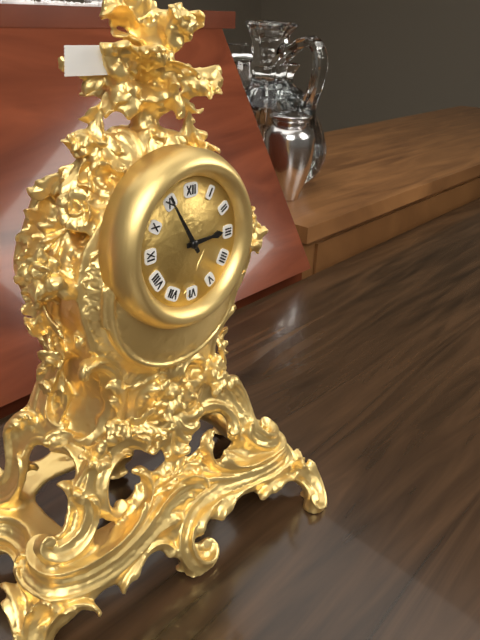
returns 2,55
